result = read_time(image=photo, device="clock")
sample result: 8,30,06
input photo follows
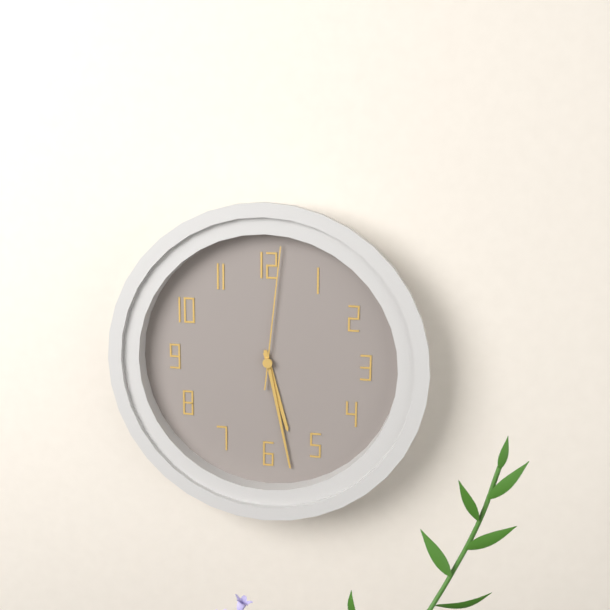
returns 5,28,01
